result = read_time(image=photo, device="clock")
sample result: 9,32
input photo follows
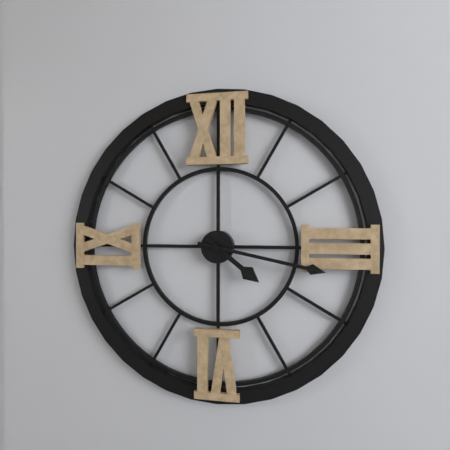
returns 4,17
